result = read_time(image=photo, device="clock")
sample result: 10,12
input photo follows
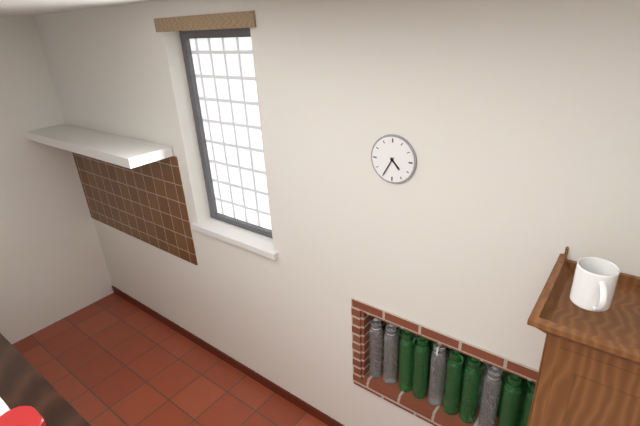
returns 4,35
